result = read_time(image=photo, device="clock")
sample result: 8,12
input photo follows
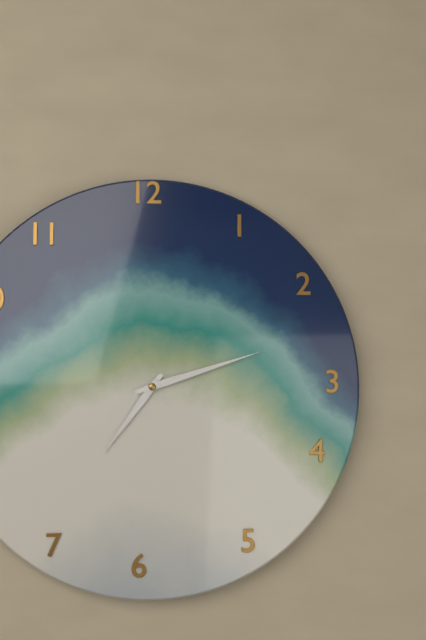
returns 7,12
